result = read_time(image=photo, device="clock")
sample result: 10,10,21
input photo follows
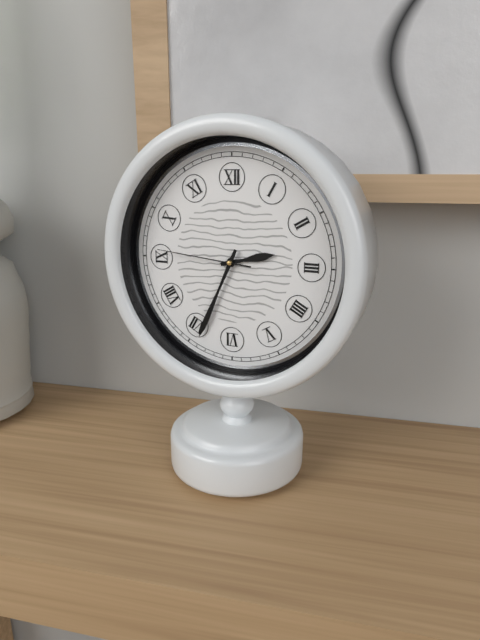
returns 2,34,46
